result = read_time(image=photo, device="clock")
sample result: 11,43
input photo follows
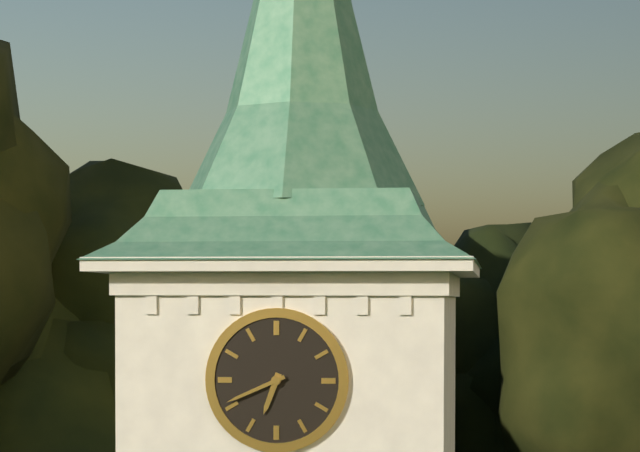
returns 6,41
